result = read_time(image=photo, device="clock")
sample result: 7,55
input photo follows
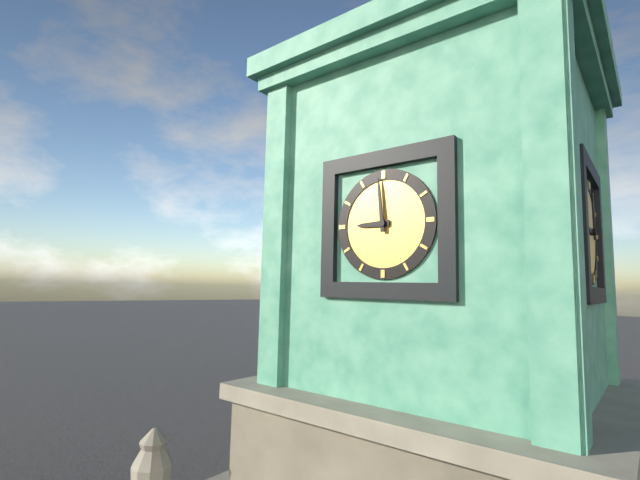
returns 8,59
